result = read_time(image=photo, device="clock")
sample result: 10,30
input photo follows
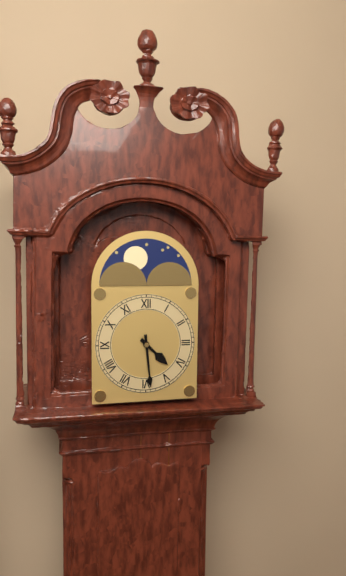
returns 4,29
